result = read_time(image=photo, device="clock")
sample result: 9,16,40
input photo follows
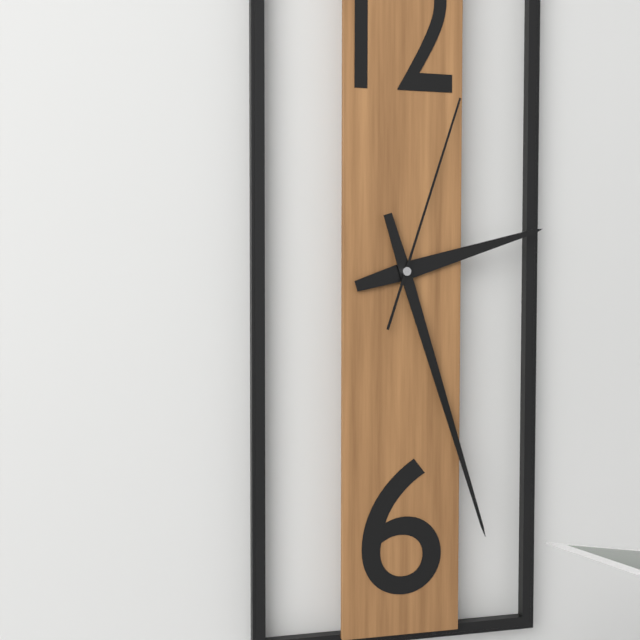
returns 2,27,03
